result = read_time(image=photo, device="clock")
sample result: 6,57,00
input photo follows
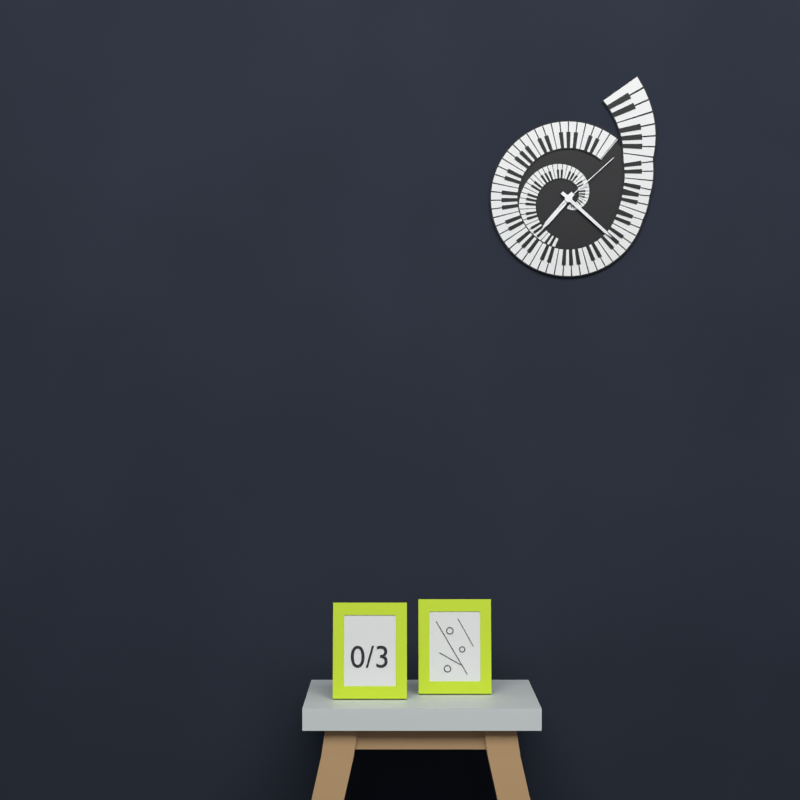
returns 7,22,08
